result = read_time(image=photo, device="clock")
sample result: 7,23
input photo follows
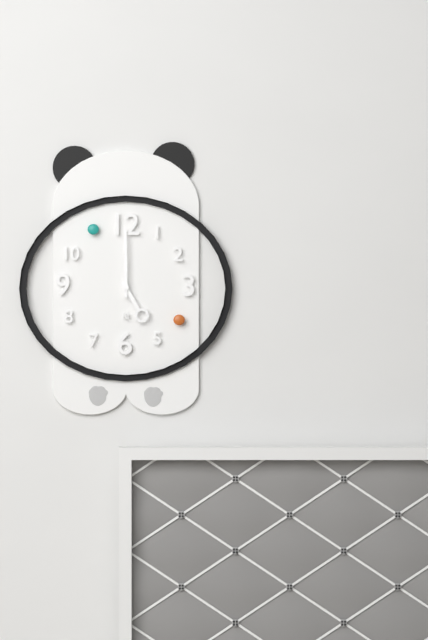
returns 5,00
